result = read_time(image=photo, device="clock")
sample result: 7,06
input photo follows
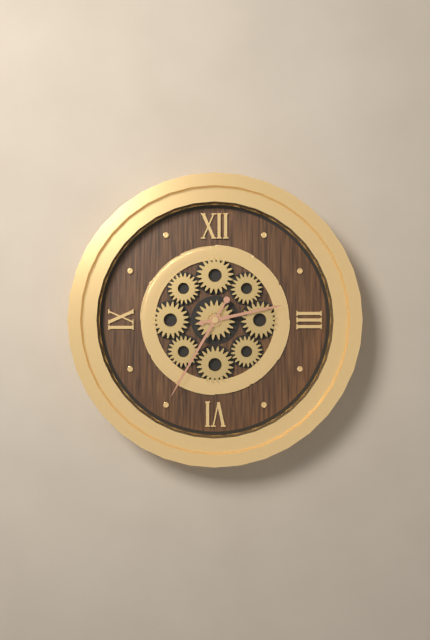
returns 2,35
